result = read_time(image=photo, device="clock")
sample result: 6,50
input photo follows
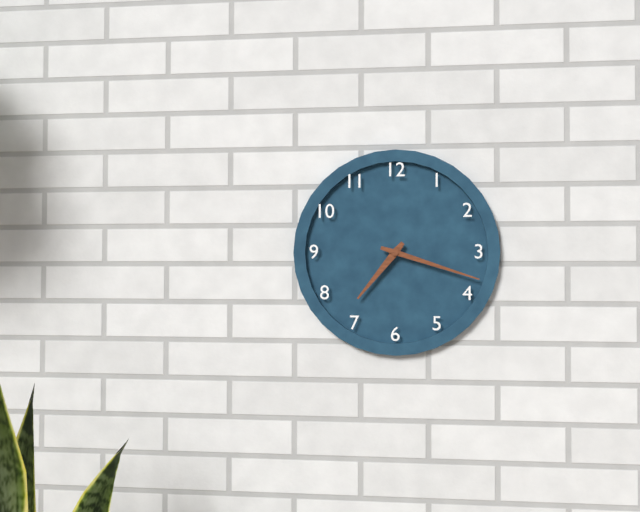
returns 7,18
